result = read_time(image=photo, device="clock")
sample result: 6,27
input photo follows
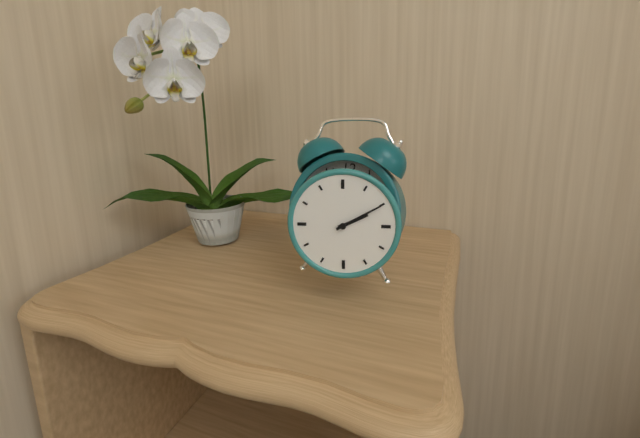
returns 2,10
